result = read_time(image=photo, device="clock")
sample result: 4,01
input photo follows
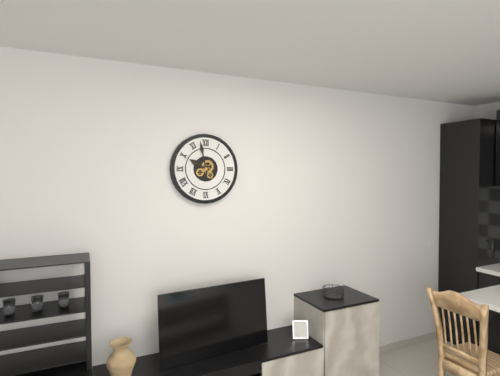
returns 9,58
